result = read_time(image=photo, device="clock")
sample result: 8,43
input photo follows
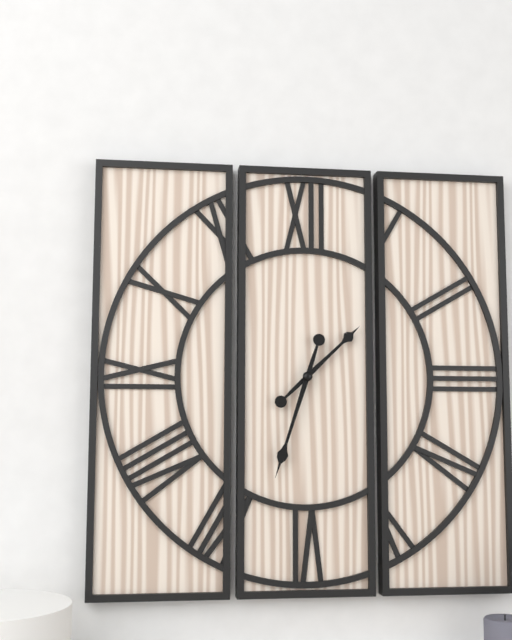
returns 1,33
